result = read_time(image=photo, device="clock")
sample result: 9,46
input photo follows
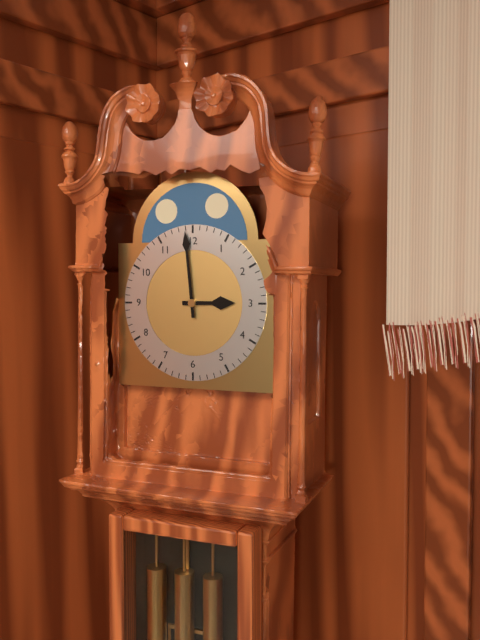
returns 2,59
